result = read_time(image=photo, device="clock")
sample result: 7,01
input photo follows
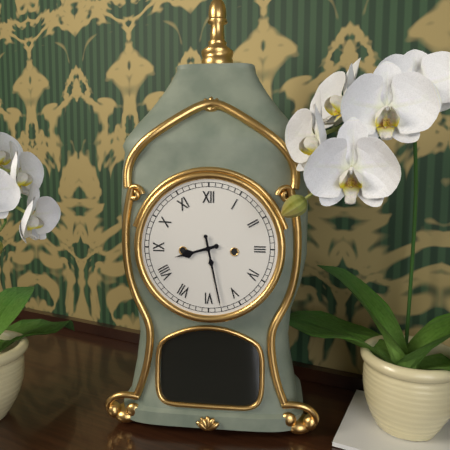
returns 8,28
